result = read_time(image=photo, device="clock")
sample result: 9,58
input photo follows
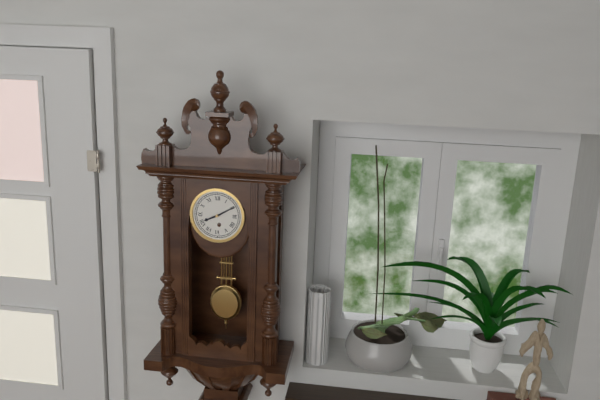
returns 8,10
